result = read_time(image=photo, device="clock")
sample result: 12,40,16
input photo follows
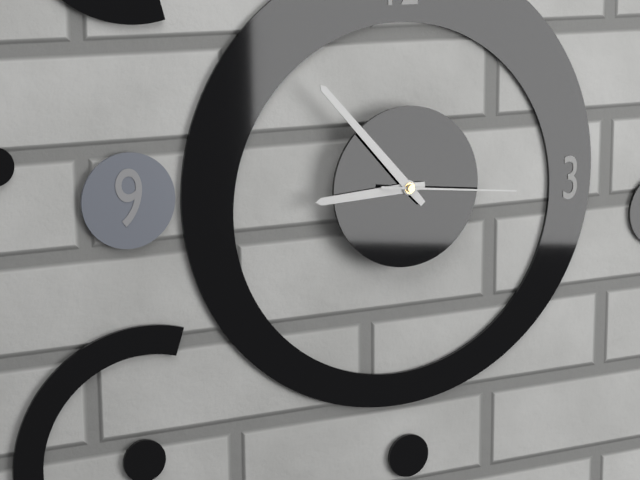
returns 8,53,16
